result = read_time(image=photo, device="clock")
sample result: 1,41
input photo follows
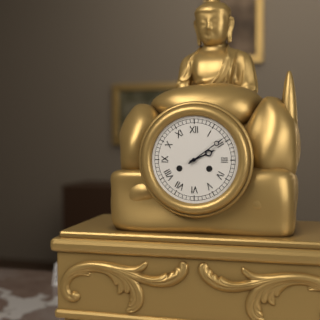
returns 2,09
